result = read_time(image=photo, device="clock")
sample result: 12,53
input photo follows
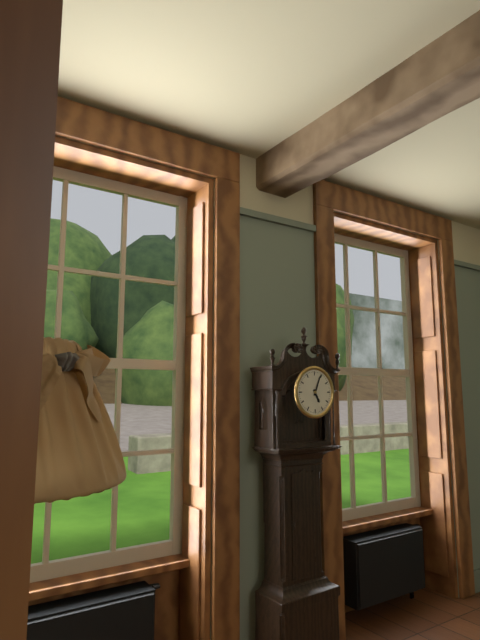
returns 5,04
